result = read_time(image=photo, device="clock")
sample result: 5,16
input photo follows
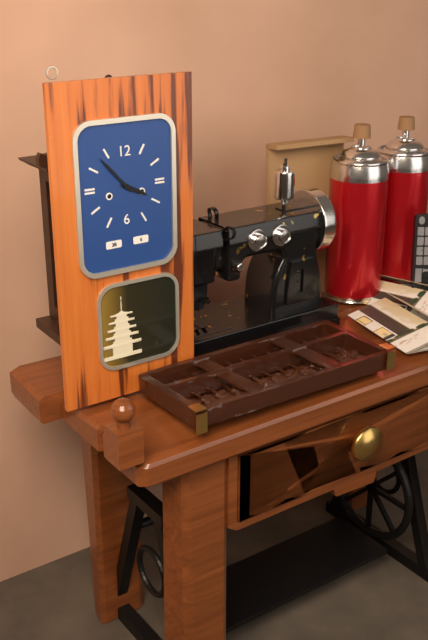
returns 3,53
